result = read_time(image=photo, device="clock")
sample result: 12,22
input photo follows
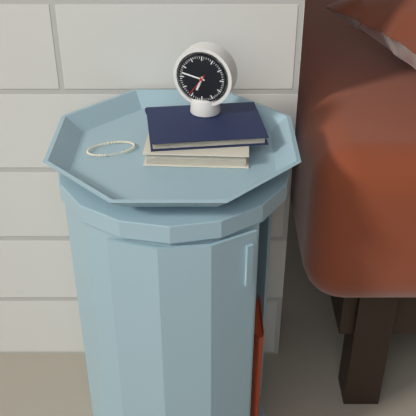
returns 6,47
